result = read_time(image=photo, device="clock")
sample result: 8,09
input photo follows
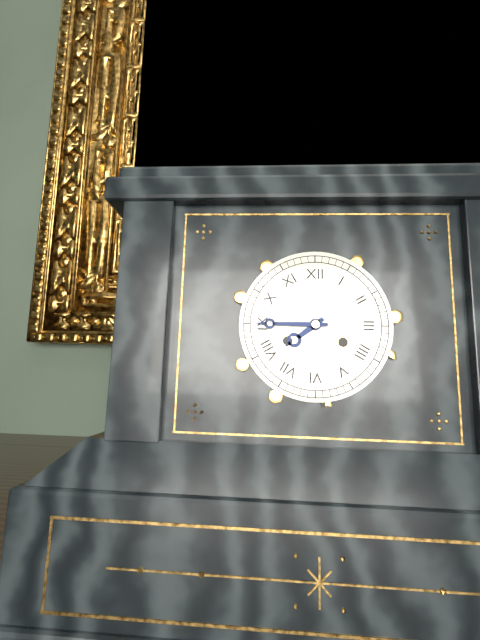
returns 7,45
